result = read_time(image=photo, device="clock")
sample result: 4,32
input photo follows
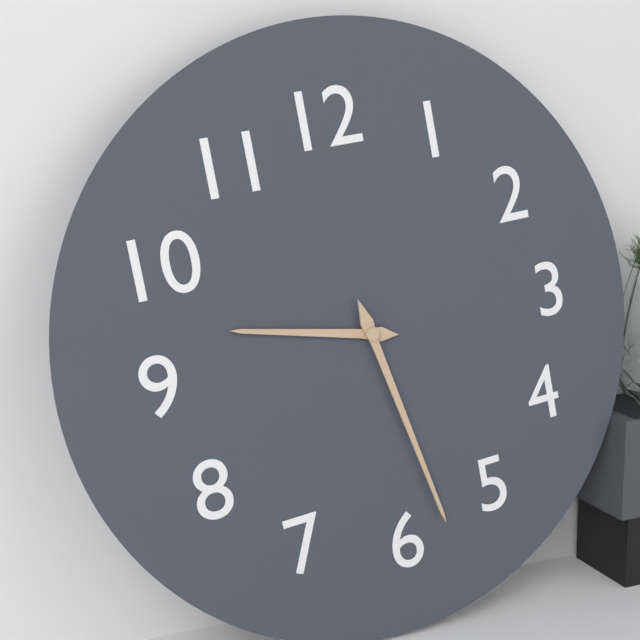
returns 9,28
